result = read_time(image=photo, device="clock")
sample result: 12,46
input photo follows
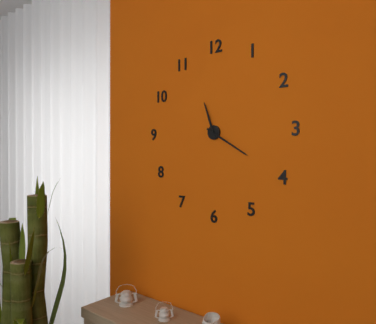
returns 11,20
